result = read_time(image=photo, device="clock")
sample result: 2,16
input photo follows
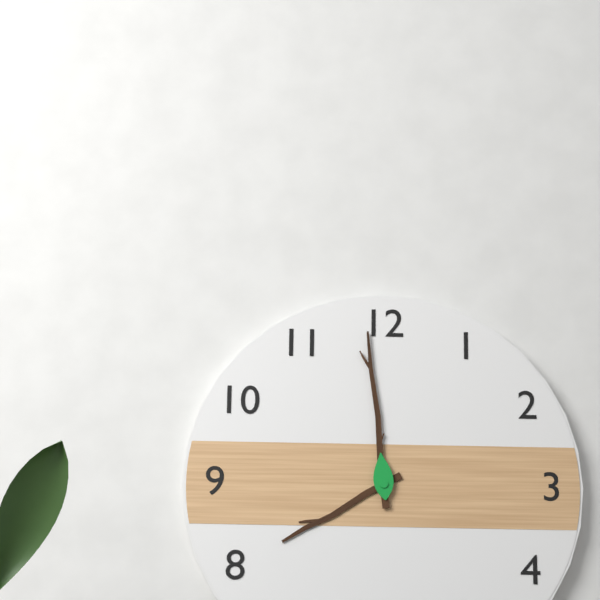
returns 7,59
